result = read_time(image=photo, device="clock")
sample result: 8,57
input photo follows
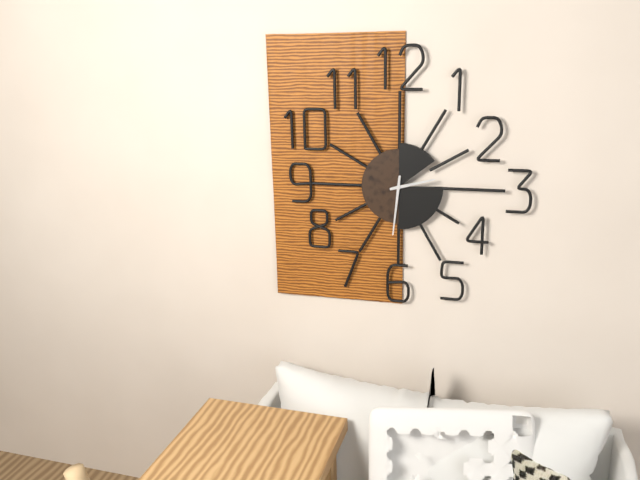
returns 2,31
